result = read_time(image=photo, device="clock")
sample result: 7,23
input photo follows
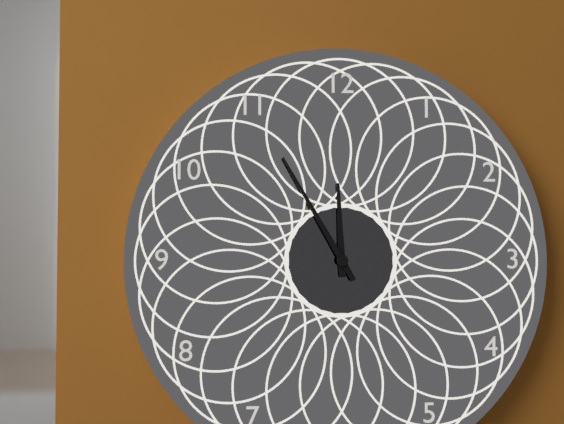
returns 11,55
